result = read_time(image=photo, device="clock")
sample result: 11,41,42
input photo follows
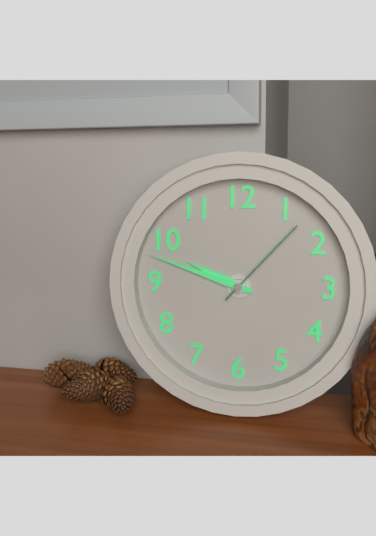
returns 9,48,07
